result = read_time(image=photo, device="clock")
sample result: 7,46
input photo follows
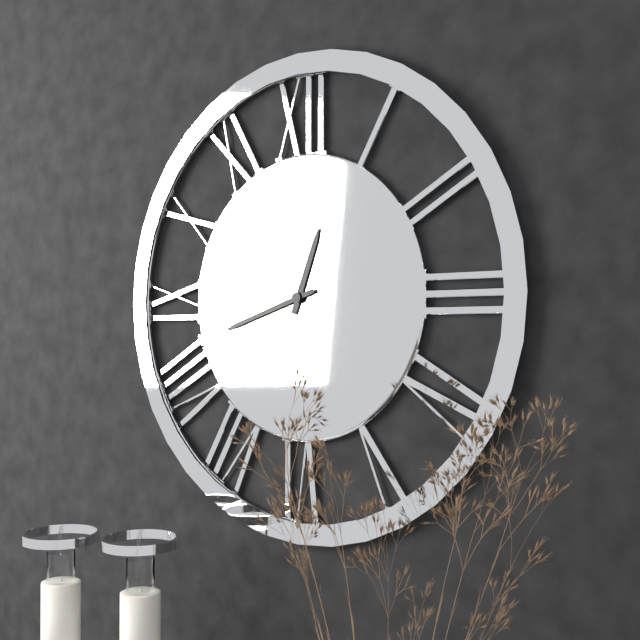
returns 12,42
